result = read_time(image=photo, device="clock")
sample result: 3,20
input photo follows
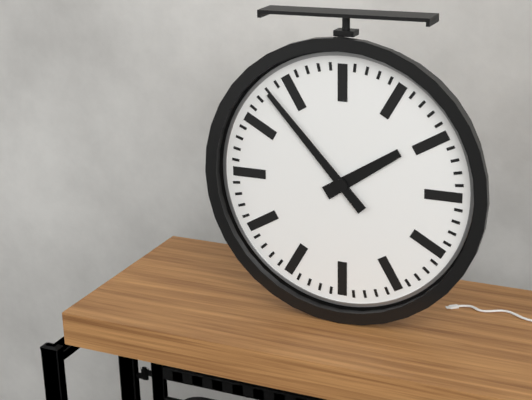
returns 1,53
